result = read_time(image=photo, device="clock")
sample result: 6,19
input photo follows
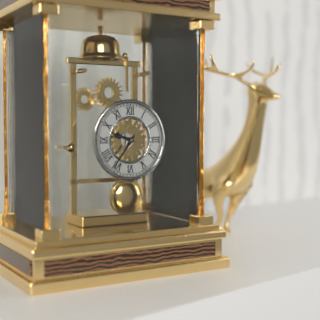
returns 9,36
